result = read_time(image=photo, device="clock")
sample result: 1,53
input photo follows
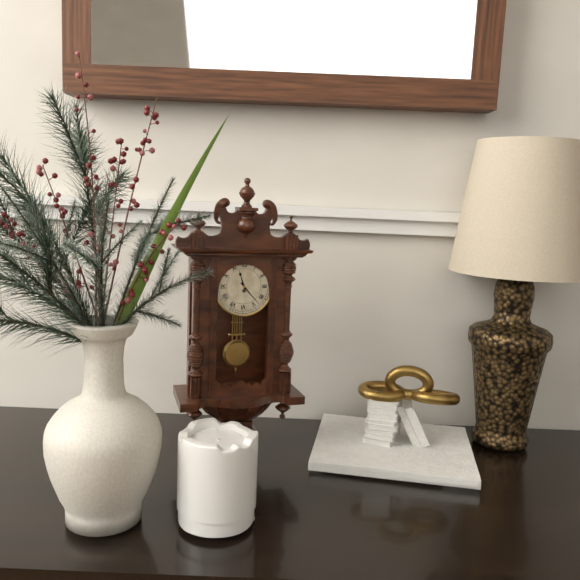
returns 11,23
